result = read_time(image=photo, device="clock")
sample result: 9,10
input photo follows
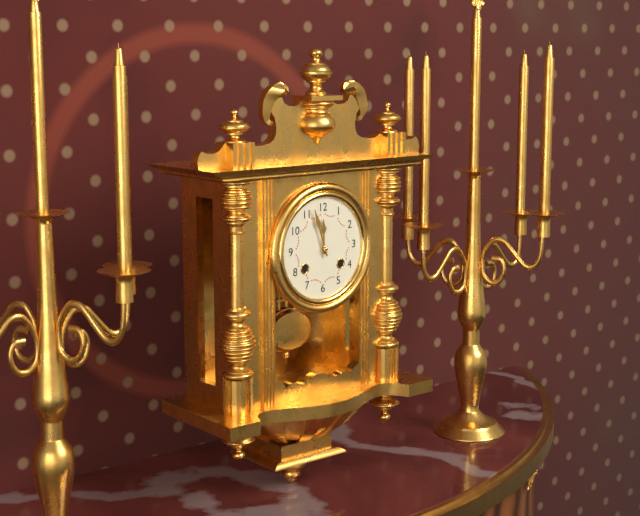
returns 11,57
